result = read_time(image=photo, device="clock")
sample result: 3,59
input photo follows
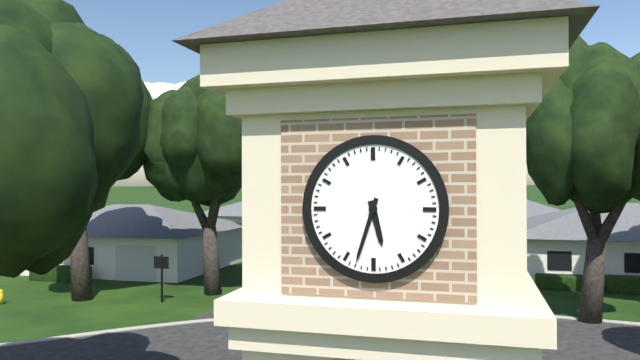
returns 5,33
